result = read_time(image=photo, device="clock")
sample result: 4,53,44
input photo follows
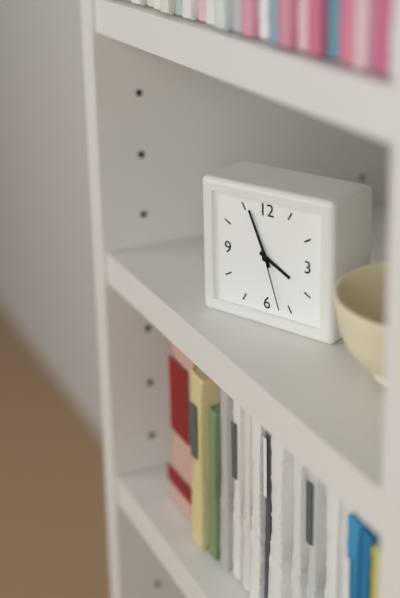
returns 3,56,27
